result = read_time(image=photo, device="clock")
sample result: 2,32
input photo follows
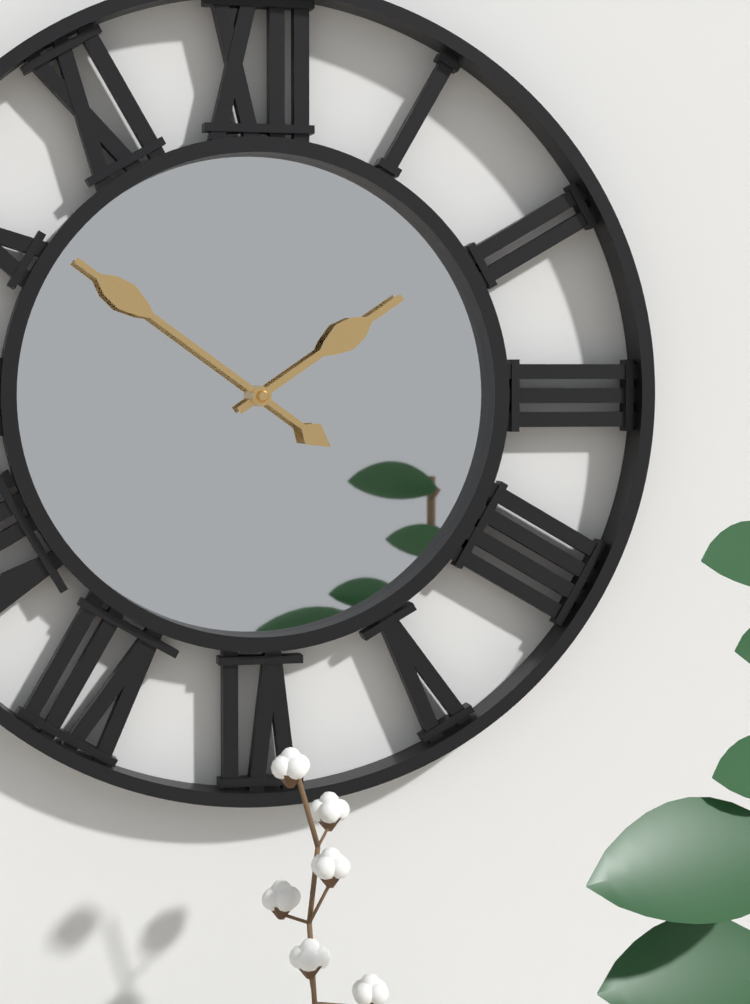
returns 1,51
